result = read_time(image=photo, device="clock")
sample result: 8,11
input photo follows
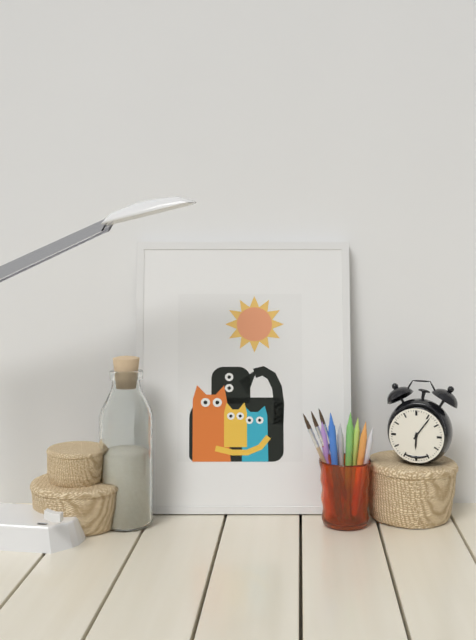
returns 6,06
